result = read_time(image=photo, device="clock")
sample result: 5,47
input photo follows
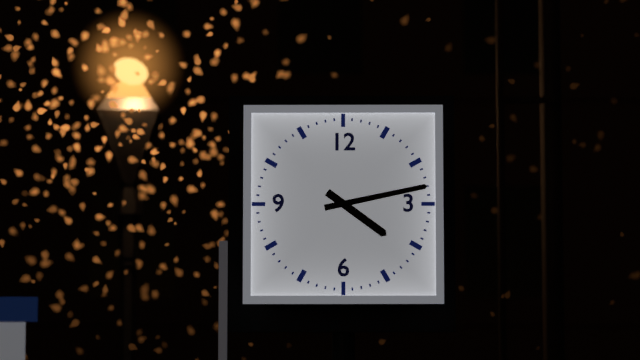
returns 4,13
